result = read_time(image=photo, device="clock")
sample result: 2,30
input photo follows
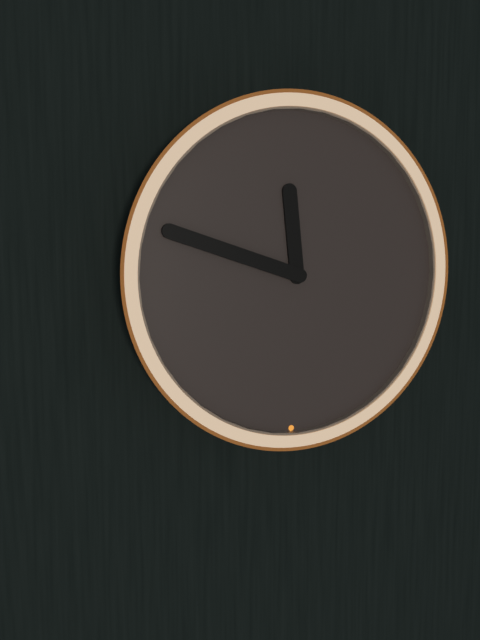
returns 11,48
